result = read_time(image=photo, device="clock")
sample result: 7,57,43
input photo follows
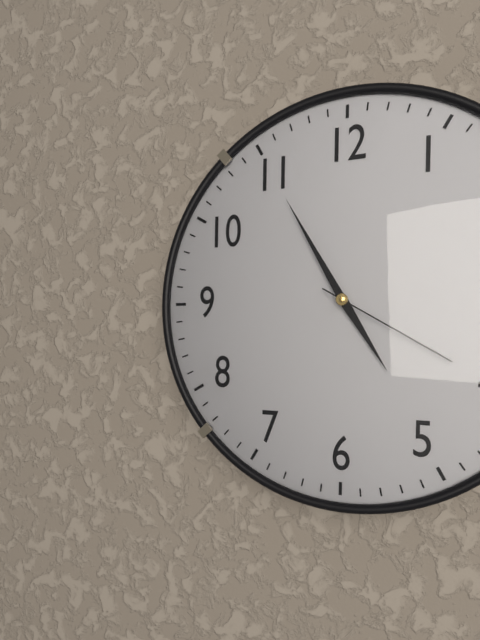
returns 4,55,20
